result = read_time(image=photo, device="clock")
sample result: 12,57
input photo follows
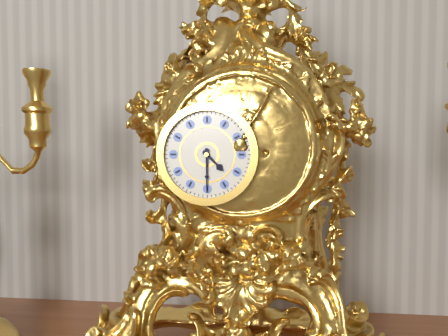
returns 4,30
